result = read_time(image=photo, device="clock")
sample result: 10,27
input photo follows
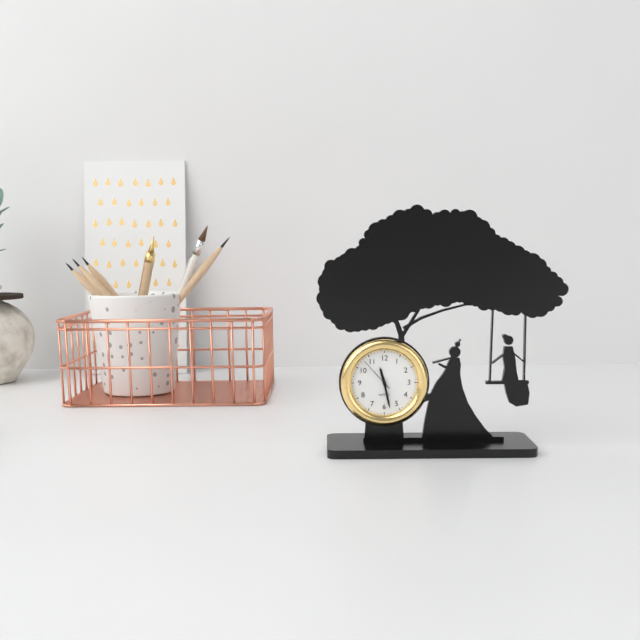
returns 11,28
